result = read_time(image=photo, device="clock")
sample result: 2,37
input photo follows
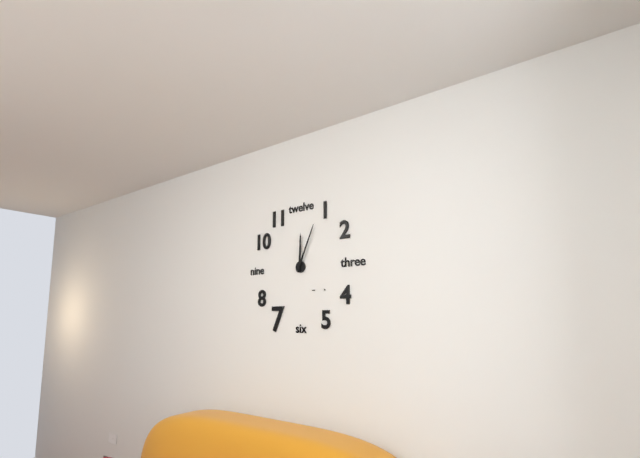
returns 12,04
